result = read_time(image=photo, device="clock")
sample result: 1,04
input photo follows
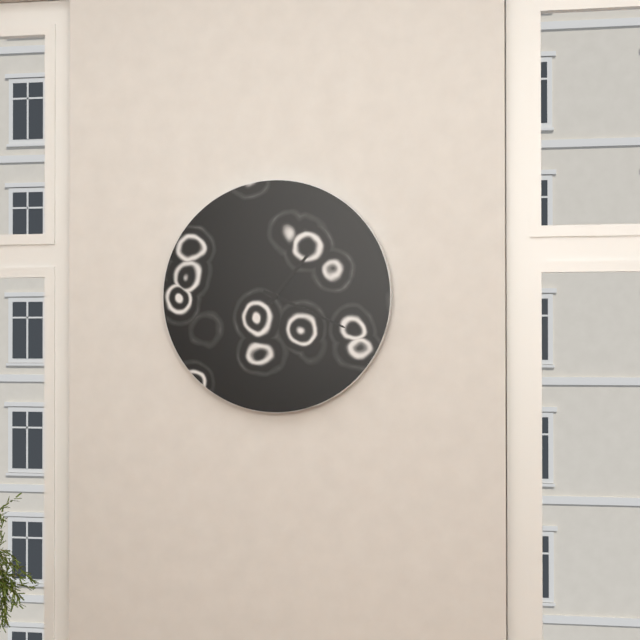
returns 1,19
